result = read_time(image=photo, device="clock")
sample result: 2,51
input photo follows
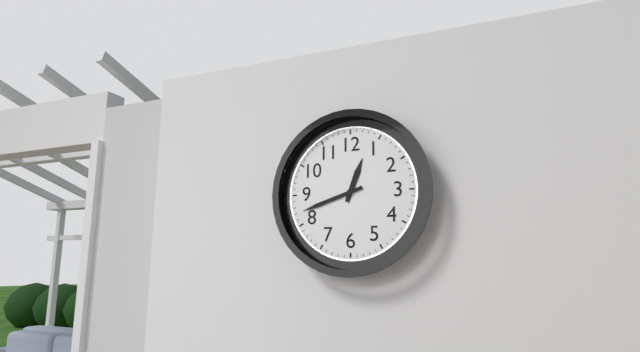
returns 12,42
